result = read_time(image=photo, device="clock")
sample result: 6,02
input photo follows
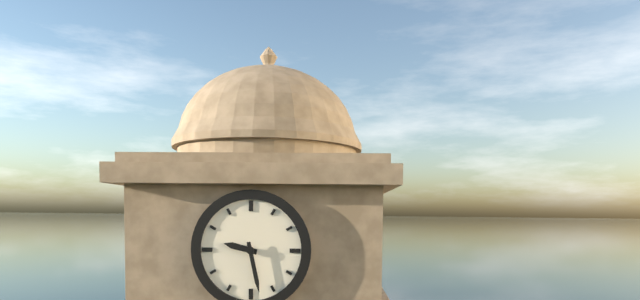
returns 9,28
